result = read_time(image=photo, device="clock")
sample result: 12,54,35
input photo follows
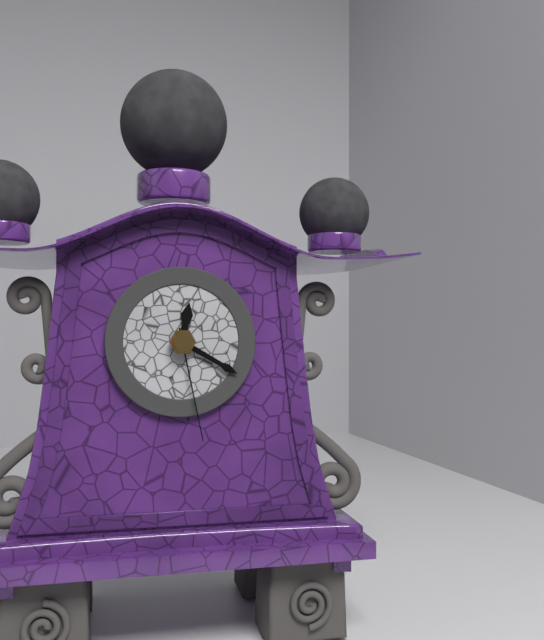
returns 12,20,28
